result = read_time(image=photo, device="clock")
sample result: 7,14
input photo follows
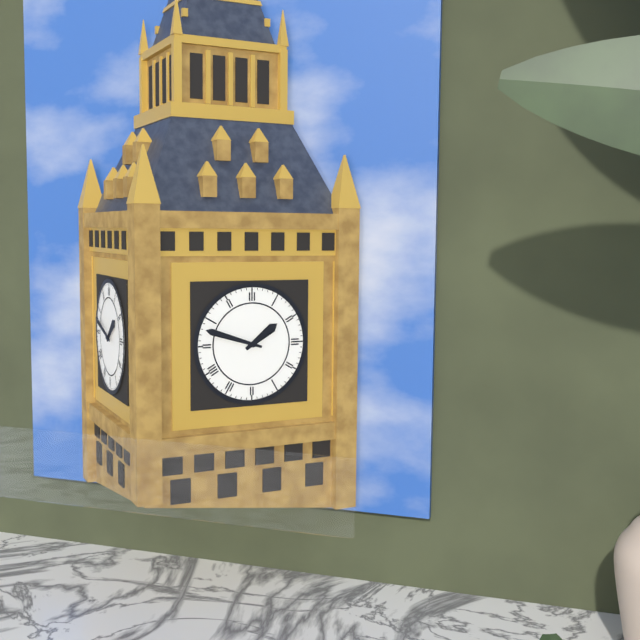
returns 1,48
